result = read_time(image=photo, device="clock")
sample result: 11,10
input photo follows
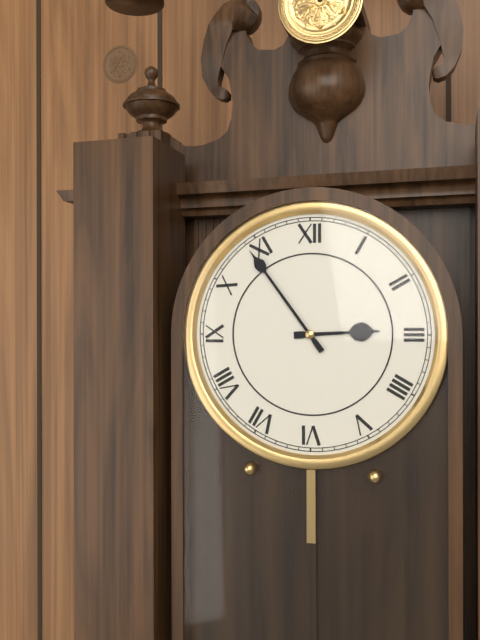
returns 2,54
